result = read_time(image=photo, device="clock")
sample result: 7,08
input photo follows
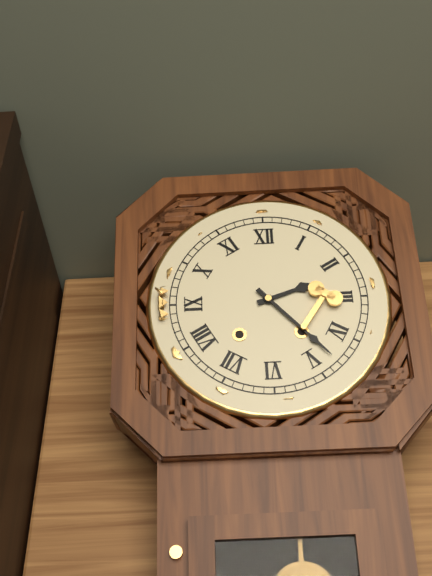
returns 2,23
